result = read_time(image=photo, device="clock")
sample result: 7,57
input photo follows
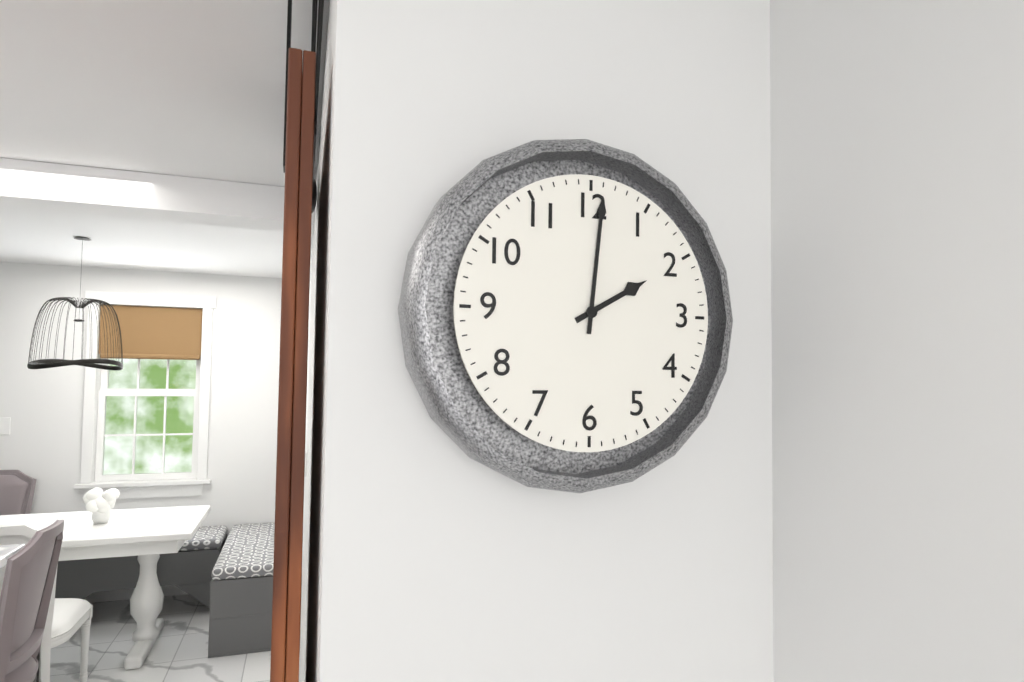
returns 2,01
